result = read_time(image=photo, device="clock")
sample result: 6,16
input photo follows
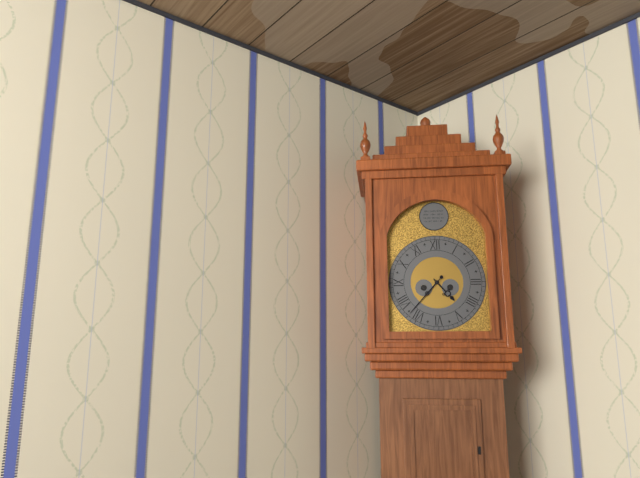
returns 4,37
